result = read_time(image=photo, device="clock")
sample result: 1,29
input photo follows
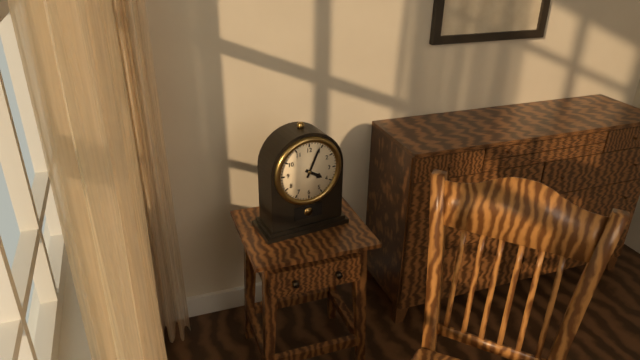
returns 4,04
